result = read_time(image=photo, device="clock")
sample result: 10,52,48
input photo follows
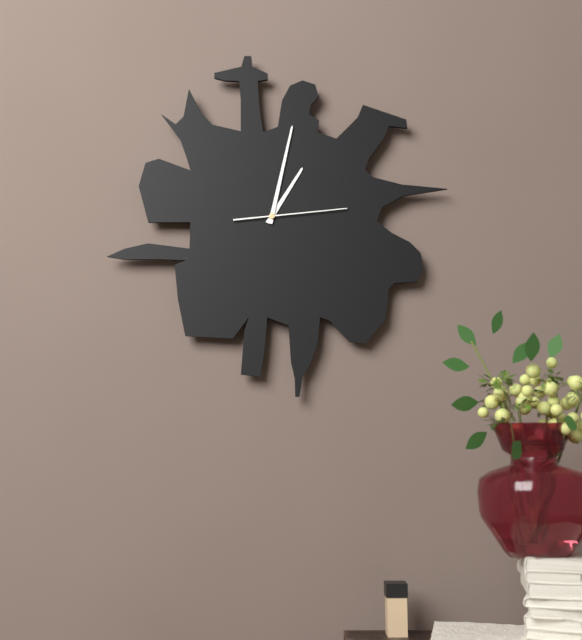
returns 1,02,14
